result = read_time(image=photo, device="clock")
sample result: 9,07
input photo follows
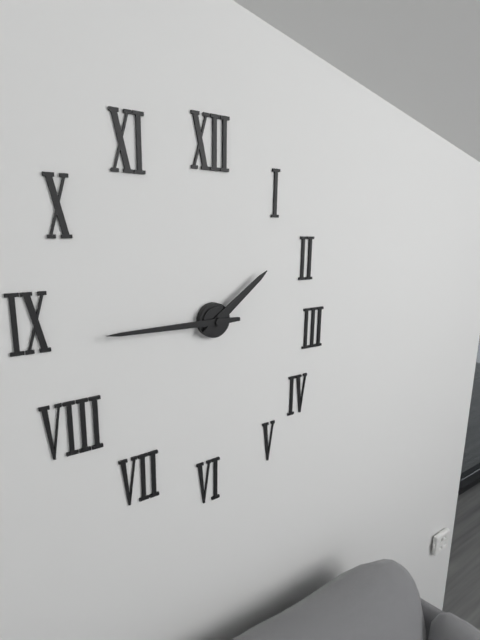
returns 1,45
